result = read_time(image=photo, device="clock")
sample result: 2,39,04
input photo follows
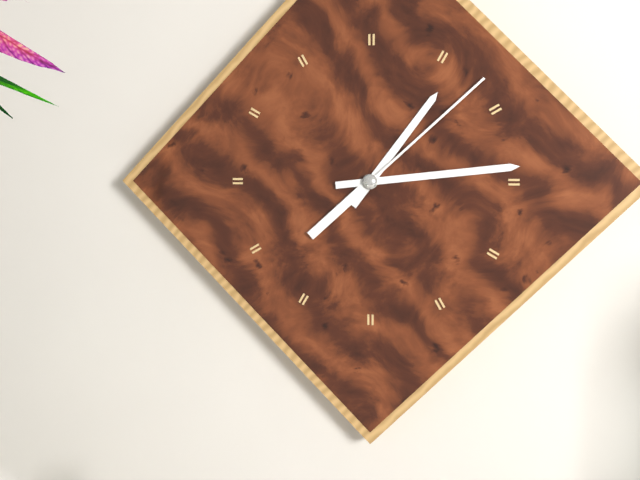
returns 1,14,08
